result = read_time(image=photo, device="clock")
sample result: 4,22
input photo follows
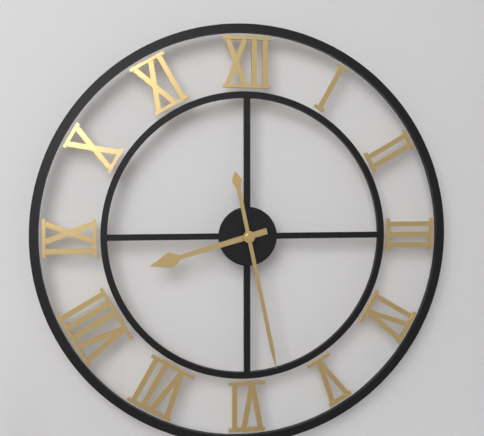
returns 8,28
